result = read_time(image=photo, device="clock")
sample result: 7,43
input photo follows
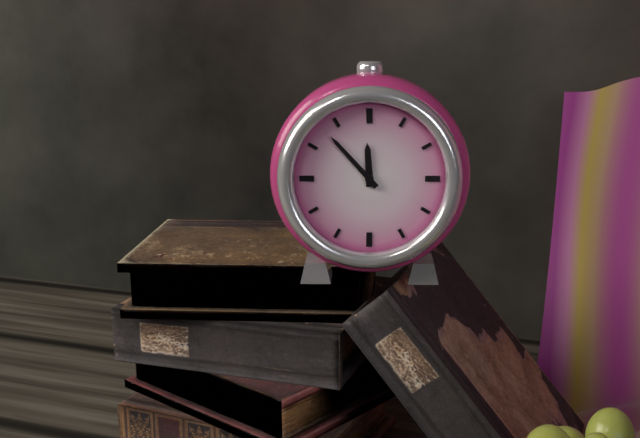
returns 11,53
